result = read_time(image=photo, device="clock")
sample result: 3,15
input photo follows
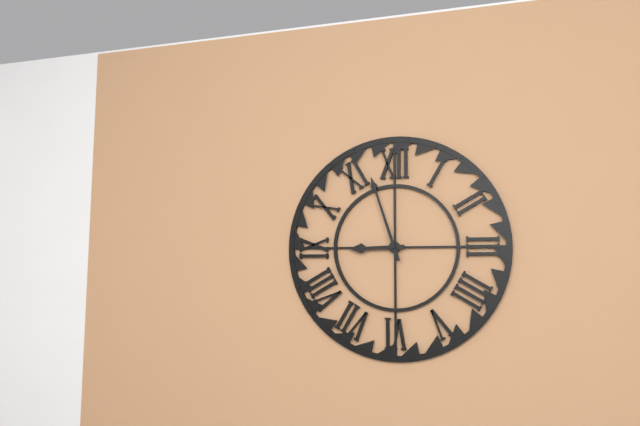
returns 8,57
